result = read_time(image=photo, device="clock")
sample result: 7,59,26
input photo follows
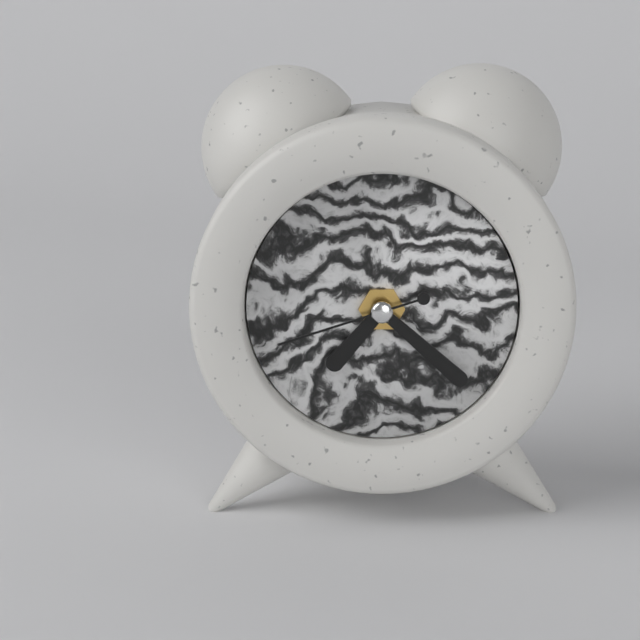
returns 7,22,42
